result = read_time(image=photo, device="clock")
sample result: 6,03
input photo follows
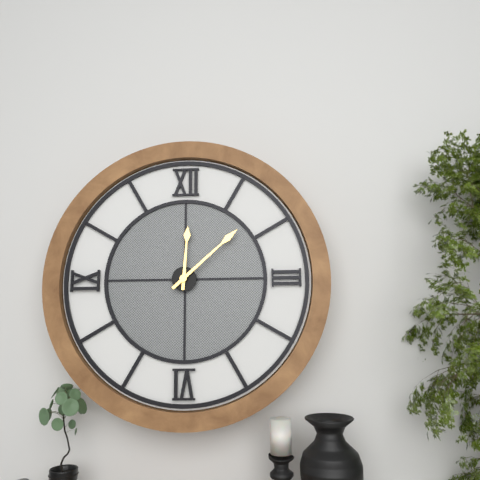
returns 12,08
